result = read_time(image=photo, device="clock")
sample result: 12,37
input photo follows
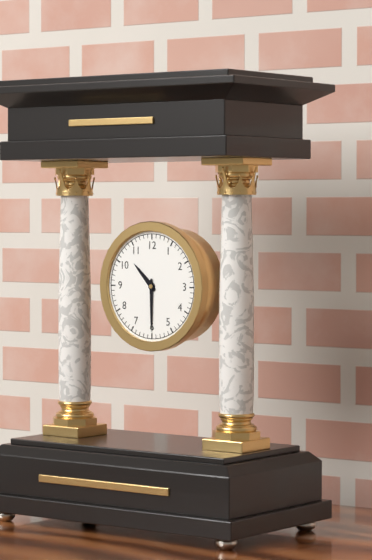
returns 10,30
